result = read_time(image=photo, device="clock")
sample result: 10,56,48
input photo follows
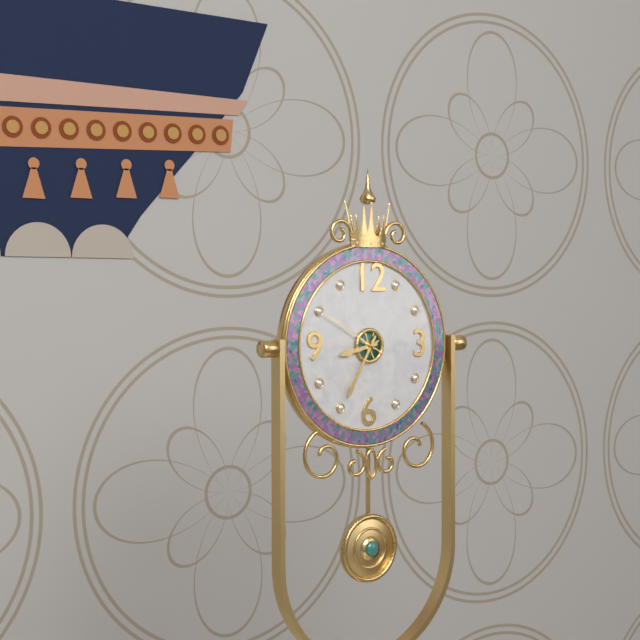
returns 8,35,50
